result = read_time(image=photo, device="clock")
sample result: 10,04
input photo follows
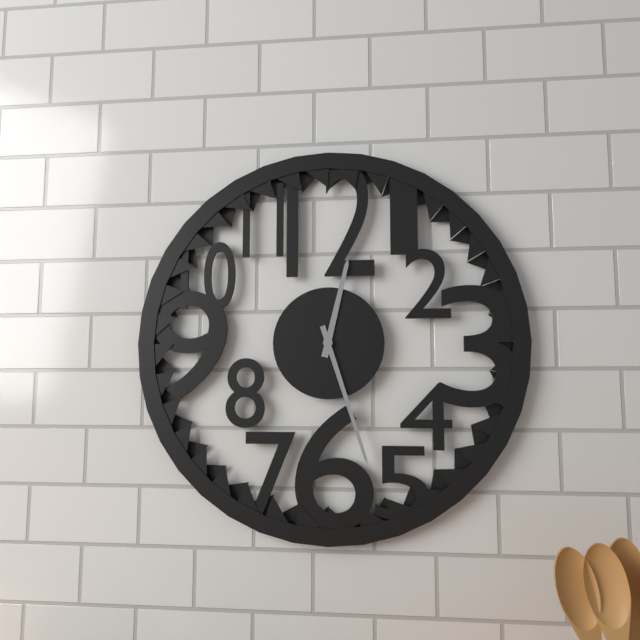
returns 12,27
